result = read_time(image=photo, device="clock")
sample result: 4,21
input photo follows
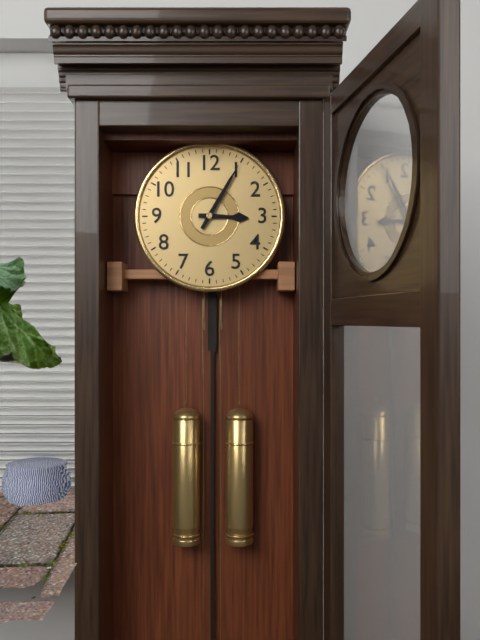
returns 3,05
